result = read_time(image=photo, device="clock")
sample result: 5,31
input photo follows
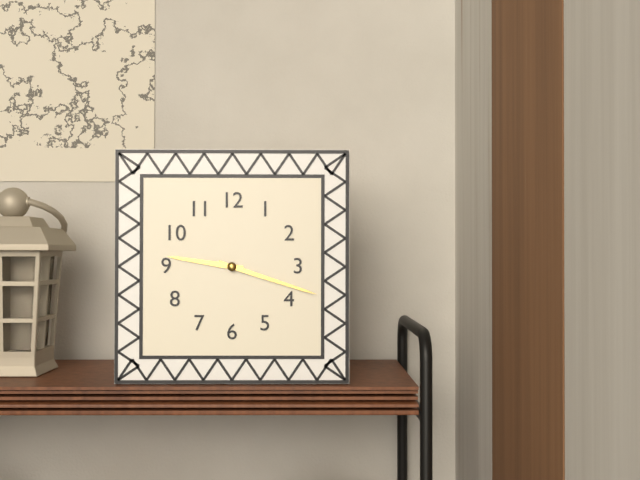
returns 9,18
